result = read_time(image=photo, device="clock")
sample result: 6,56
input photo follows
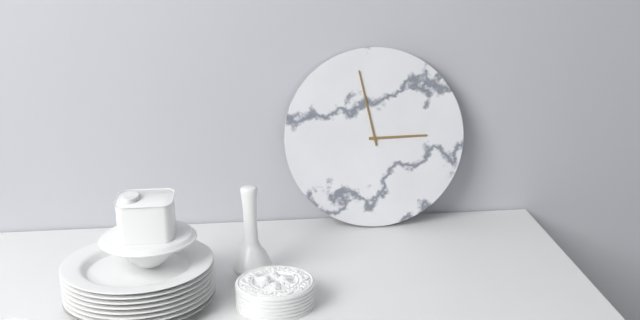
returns 2,58
